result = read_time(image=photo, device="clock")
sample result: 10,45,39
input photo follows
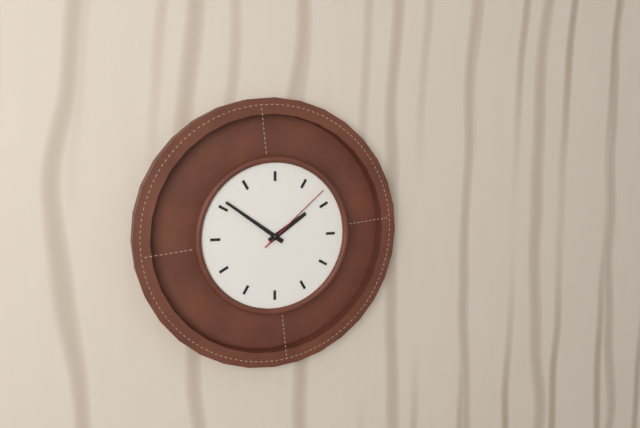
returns 1,51,08
